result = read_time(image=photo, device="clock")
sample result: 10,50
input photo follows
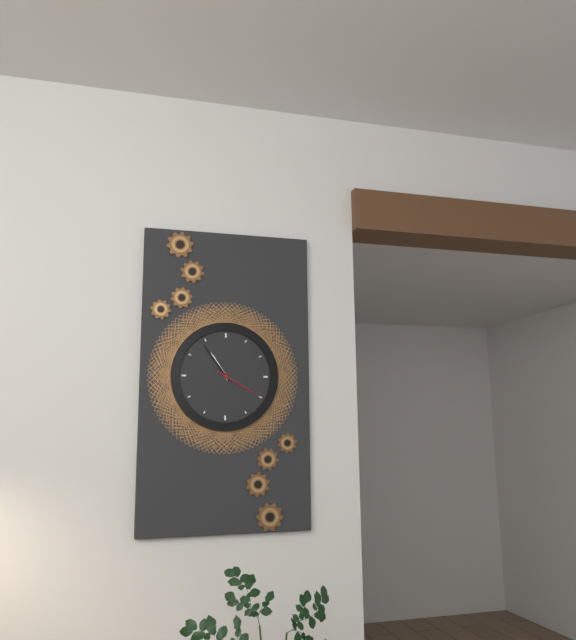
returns 10,54
